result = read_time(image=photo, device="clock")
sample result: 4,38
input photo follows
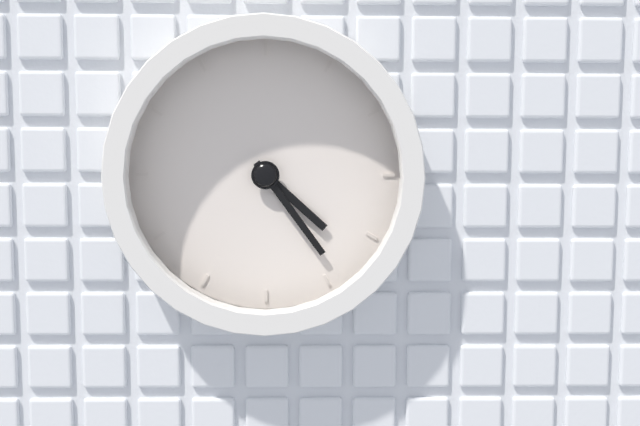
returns 4,24
